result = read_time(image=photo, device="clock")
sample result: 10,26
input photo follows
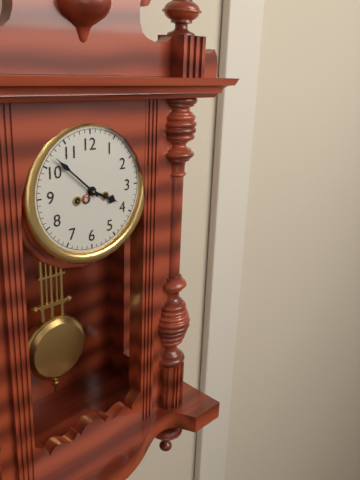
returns 3,52
